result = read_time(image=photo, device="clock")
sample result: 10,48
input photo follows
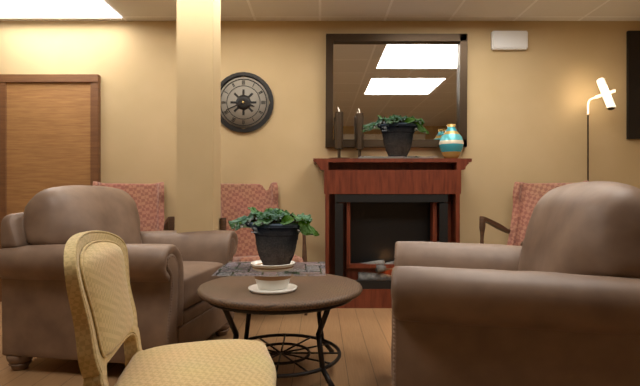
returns 3,41
